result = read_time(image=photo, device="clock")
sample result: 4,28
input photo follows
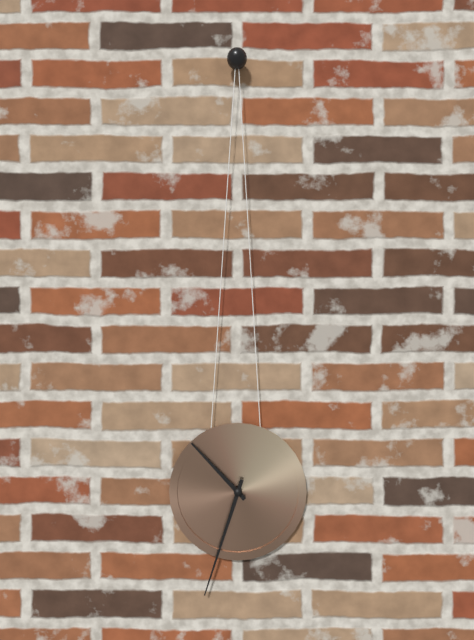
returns 10,33
